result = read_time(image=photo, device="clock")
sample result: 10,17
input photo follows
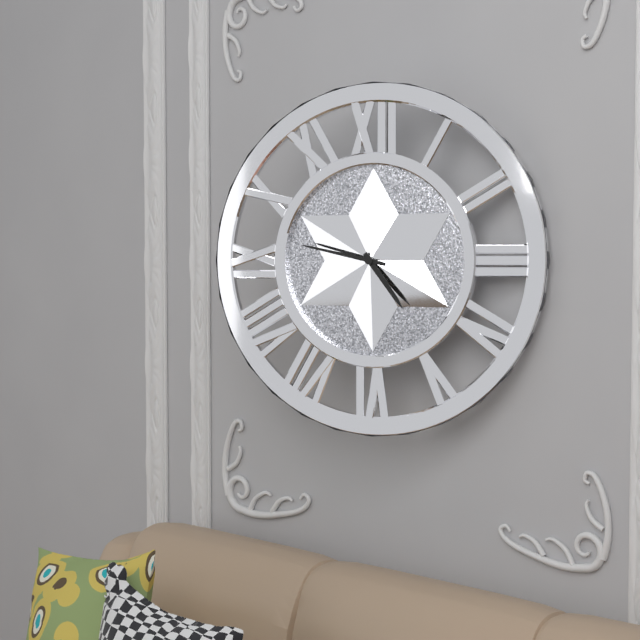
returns 4,47
